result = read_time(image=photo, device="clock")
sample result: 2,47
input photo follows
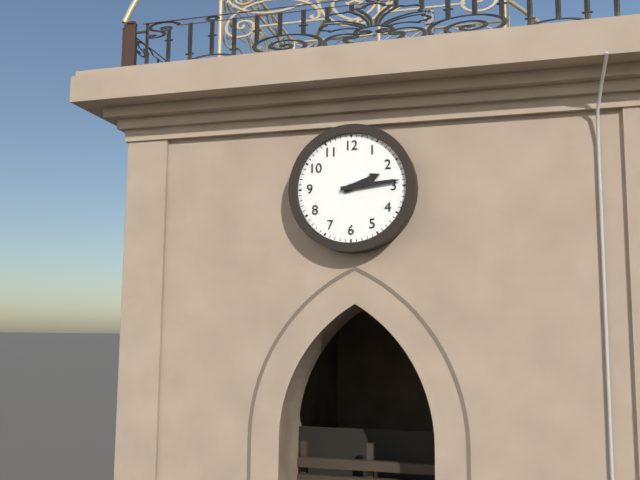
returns 2,14
